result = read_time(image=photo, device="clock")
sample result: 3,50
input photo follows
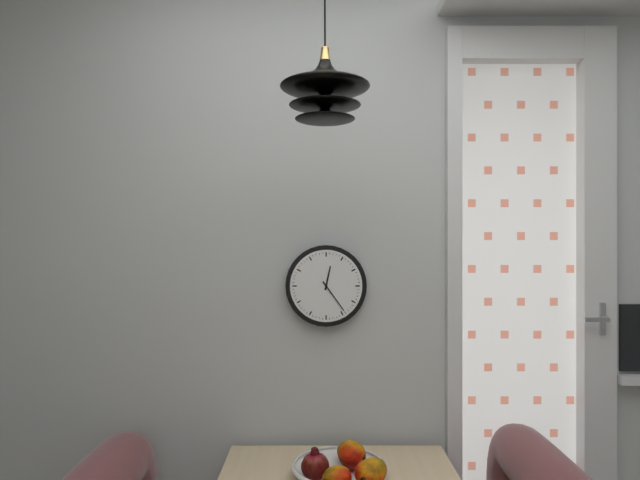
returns 12,24
